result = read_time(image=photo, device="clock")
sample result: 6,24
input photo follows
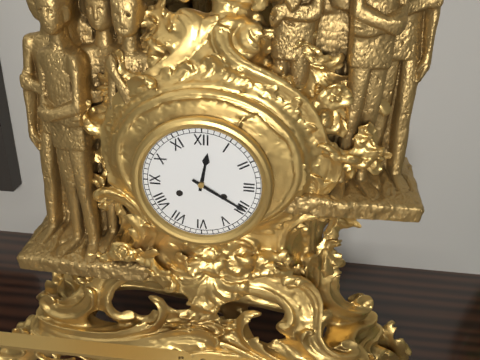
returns 12,20
